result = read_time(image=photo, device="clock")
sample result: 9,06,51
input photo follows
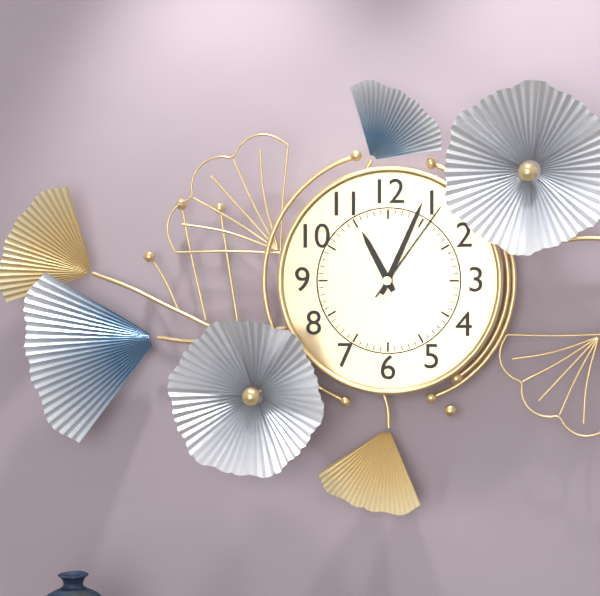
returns 11,04,06
